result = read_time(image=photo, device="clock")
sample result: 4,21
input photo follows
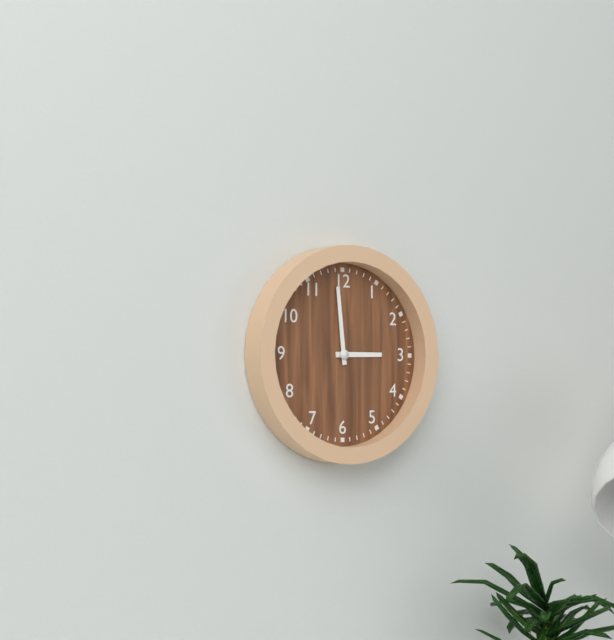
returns 2,59
